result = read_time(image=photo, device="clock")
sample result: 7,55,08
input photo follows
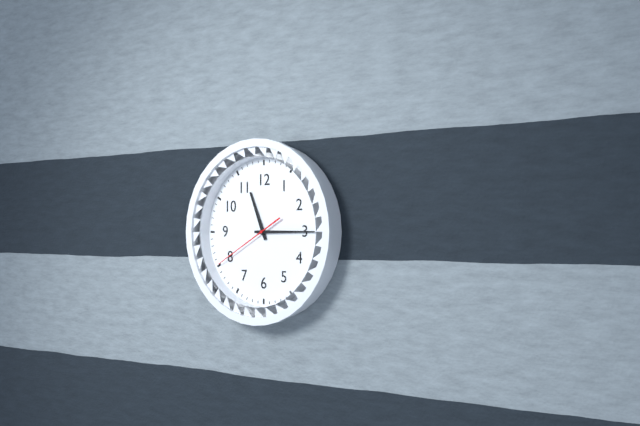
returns 11,15,40
